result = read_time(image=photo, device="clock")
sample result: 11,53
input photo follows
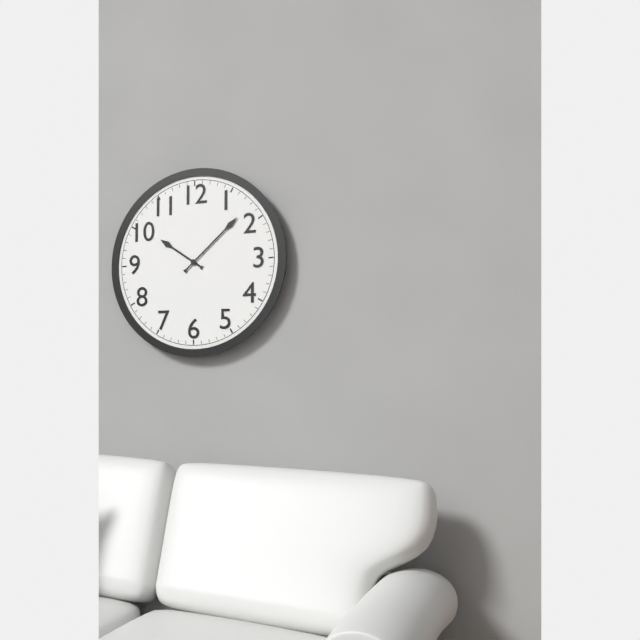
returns 10,08
